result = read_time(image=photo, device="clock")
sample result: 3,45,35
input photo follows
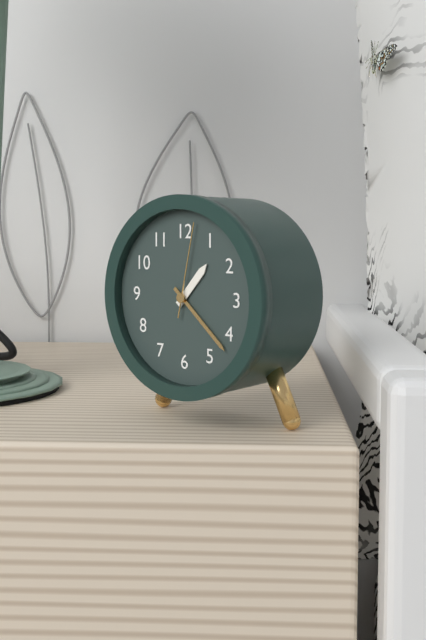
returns 1,22,02
